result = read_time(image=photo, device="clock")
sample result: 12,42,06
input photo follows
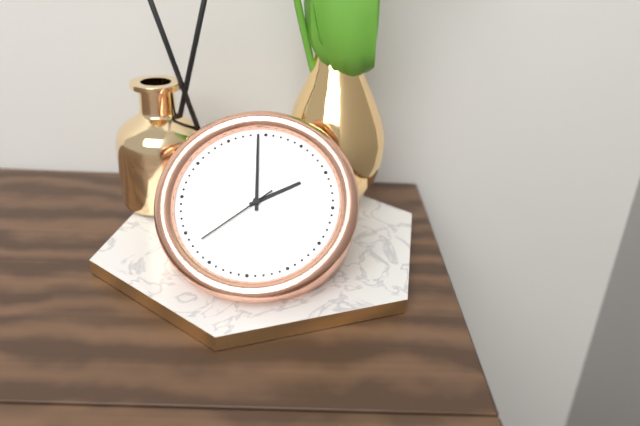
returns 1,59,38
